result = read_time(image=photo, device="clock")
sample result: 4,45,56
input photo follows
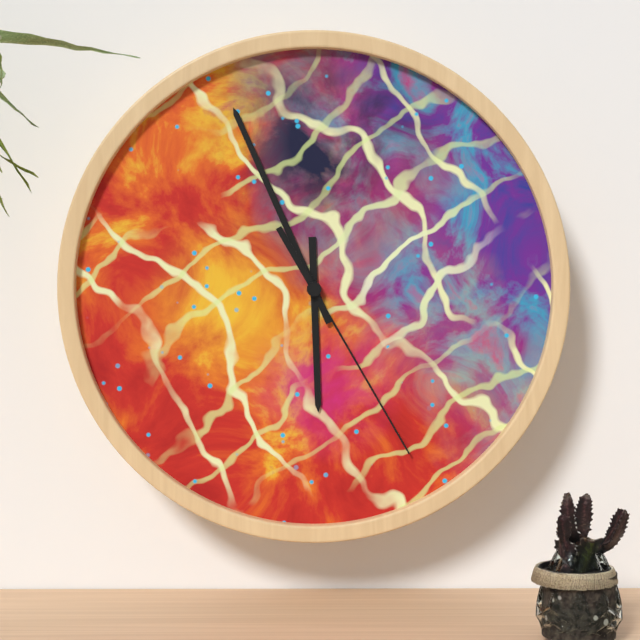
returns 5,56,25
